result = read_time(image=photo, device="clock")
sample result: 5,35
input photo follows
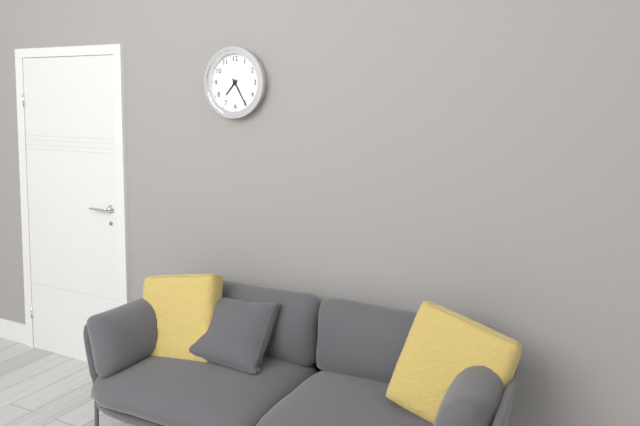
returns 7,25
